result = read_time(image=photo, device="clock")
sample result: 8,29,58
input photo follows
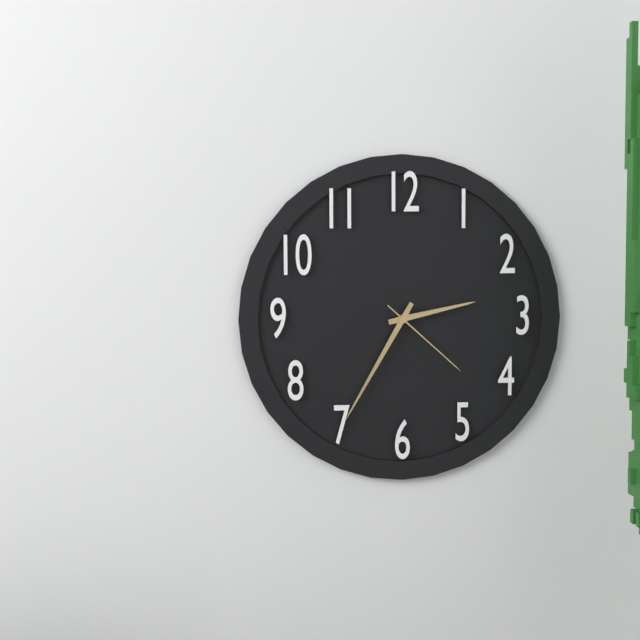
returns 2,35,22
